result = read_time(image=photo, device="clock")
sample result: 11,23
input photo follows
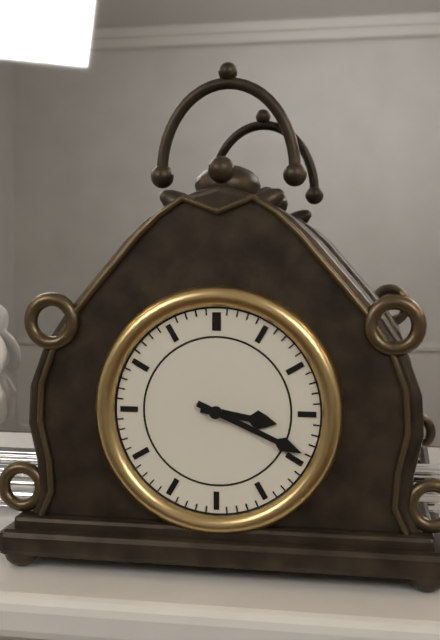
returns 3,19
